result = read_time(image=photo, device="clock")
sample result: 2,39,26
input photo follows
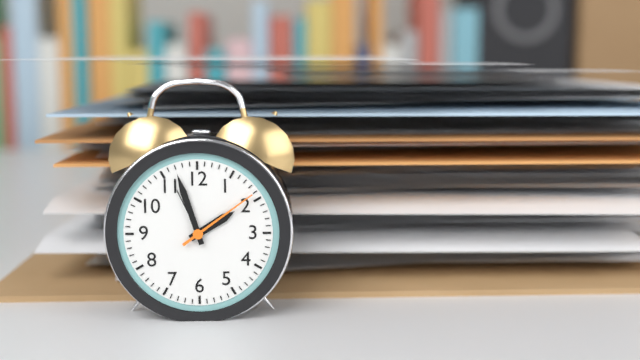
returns 1,57,09
